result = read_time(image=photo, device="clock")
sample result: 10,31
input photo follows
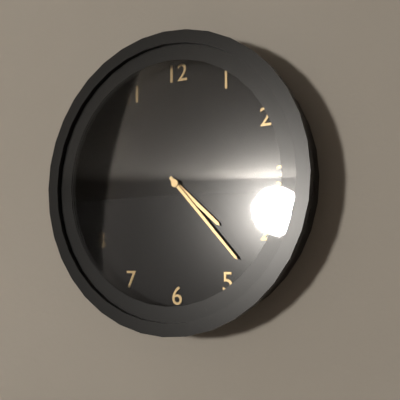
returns 4,23
